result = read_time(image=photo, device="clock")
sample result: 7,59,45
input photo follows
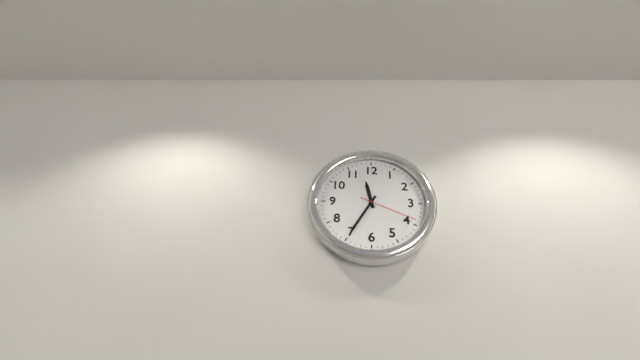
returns 11,35,19
